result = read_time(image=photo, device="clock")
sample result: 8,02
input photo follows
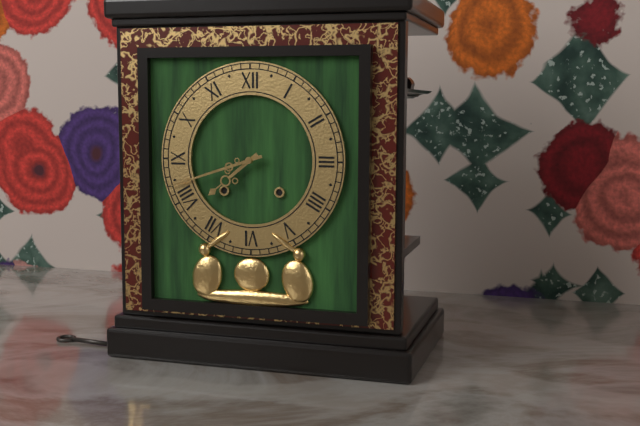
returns 7,42
